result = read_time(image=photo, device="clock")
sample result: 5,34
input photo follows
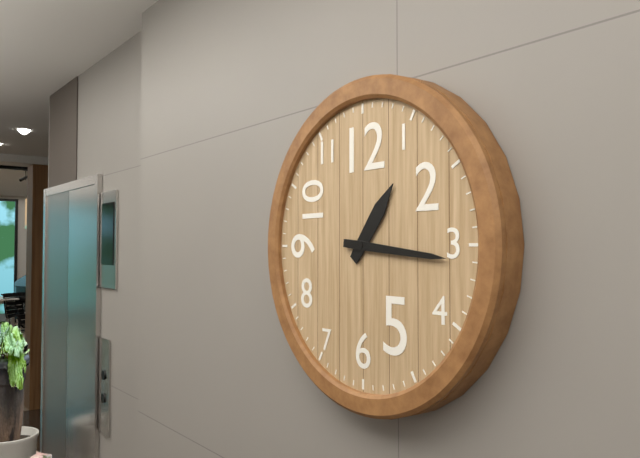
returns 1,16
